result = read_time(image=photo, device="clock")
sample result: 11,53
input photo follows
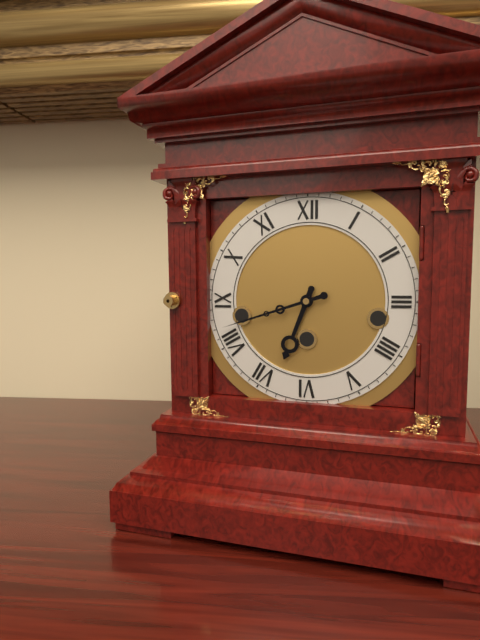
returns 6,42
